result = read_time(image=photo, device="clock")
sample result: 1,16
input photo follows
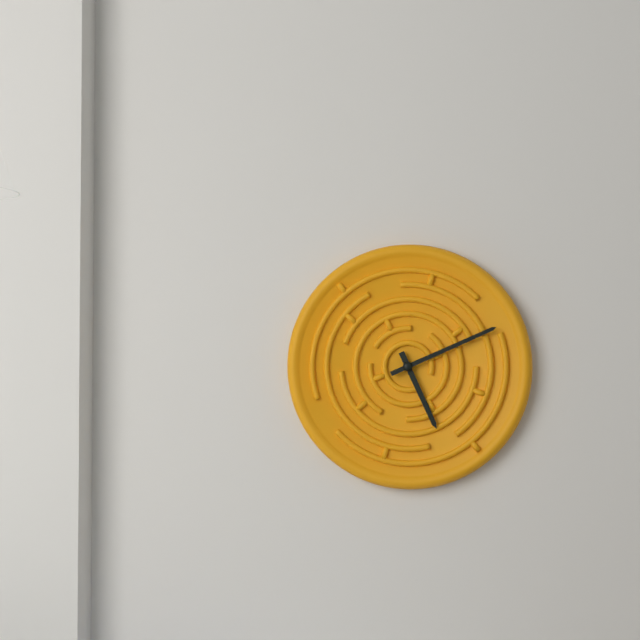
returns 5,11
